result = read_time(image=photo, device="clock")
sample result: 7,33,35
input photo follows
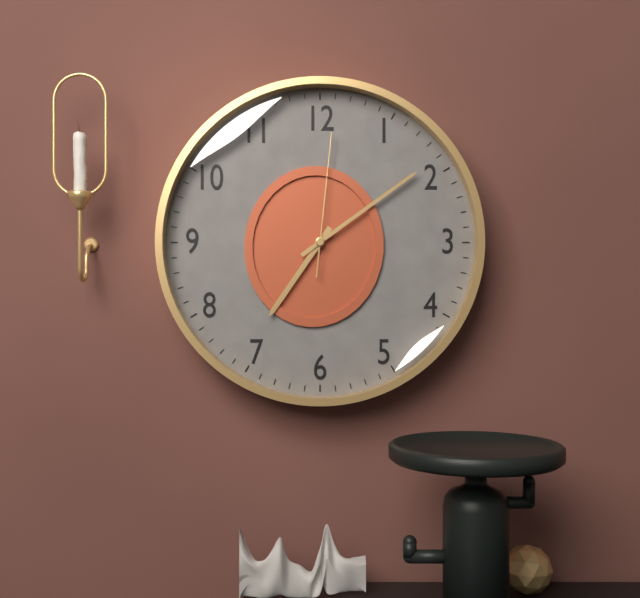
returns 7,09,01
